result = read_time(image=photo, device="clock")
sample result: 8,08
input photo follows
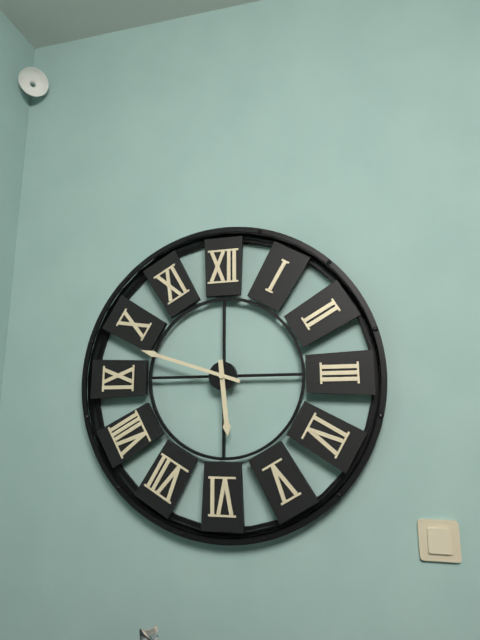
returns 5,48
